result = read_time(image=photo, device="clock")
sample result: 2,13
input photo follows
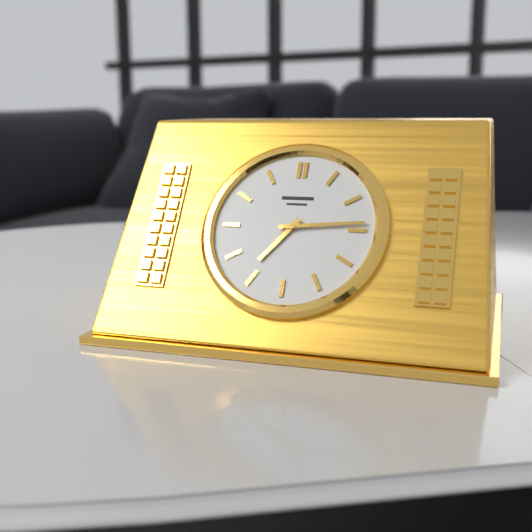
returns 7,14
